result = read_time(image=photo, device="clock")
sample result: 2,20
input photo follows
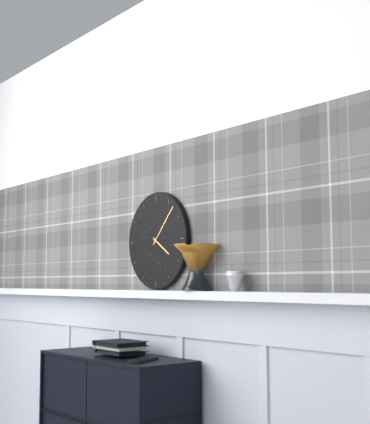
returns 4,07
